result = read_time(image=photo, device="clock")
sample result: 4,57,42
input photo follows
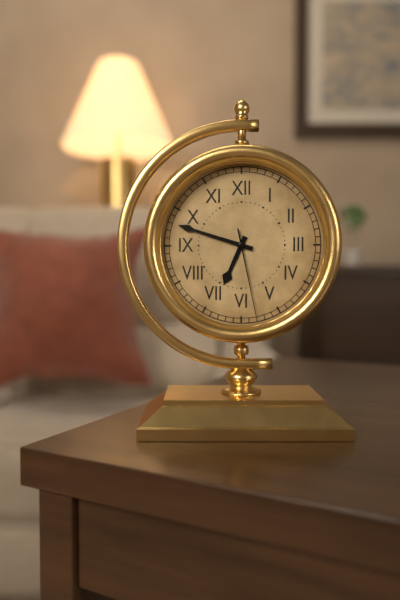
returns 6,48,28
